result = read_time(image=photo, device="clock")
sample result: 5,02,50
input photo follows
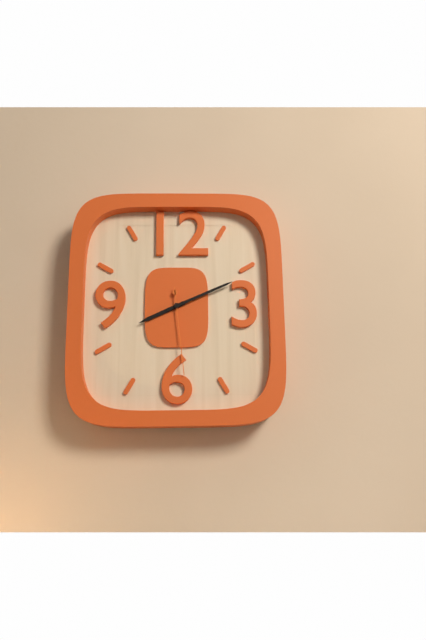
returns 8,11,29
